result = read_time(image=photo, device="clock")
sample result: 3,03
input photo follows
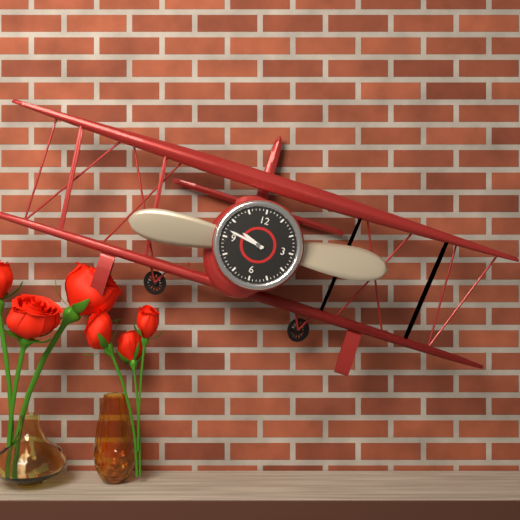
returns 9,47
